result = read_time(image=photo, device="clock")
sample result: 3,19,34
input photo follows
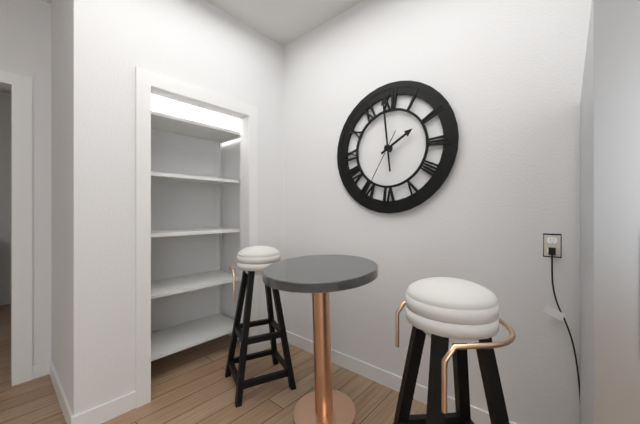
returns 1,59,35
